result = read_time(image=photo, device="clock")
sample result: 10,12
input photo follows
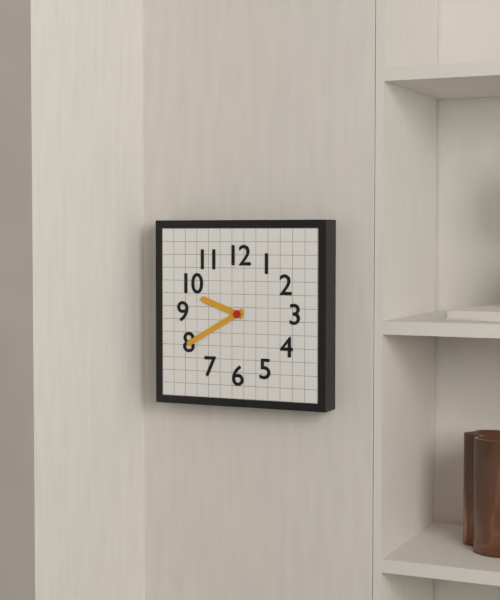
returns 9,40
